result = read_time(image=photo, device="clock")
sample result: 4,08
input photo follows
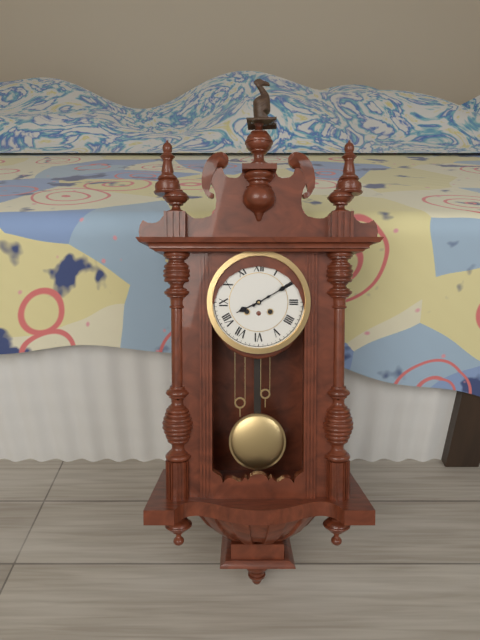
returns 8,10
